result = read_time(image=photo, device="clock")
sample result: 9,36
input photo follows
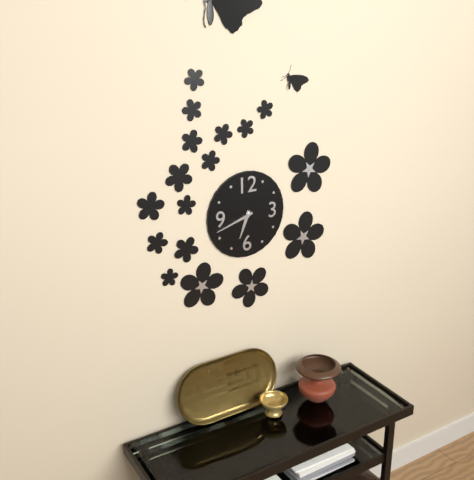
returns 6,42
